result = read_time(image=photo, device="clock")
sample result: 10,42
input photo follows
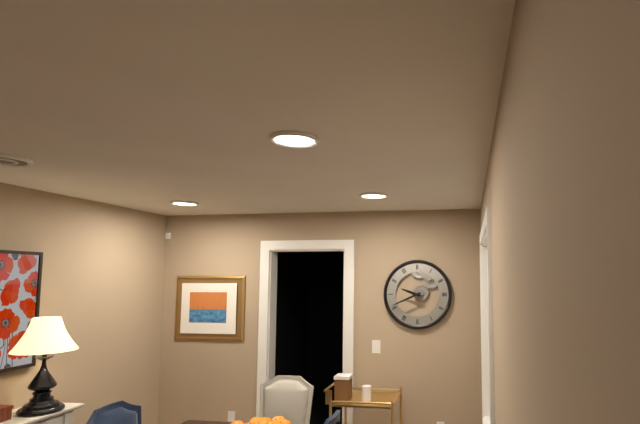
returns 9,41
